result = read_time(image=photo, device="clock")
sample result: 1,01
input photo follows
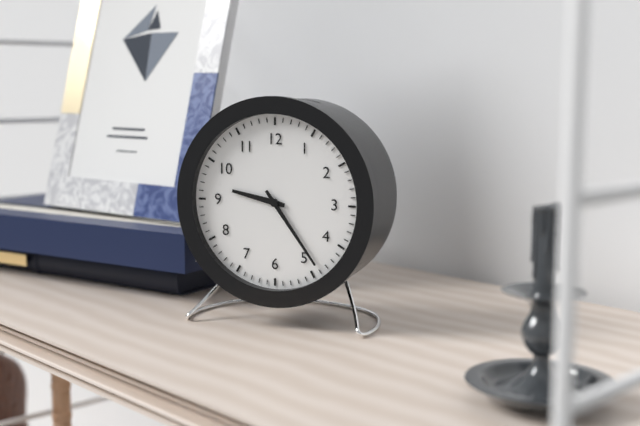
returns 9,24
